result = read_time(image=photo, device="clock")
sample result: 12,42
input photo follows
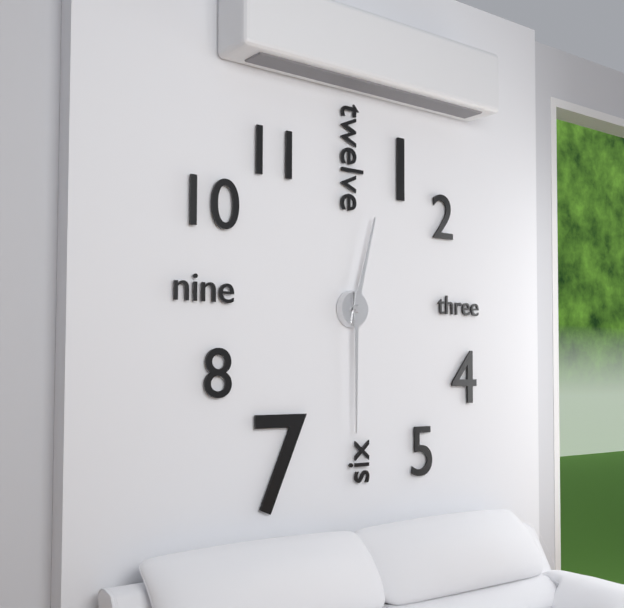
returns 12,30
